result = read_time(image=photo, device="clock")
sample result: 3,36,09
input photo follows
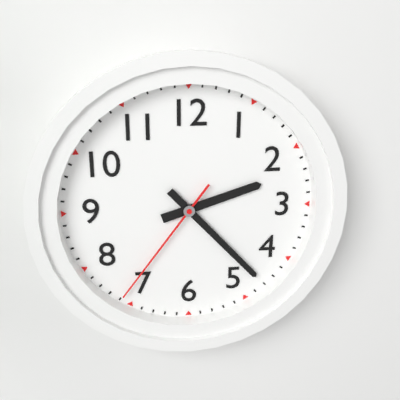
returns 2,23,36
